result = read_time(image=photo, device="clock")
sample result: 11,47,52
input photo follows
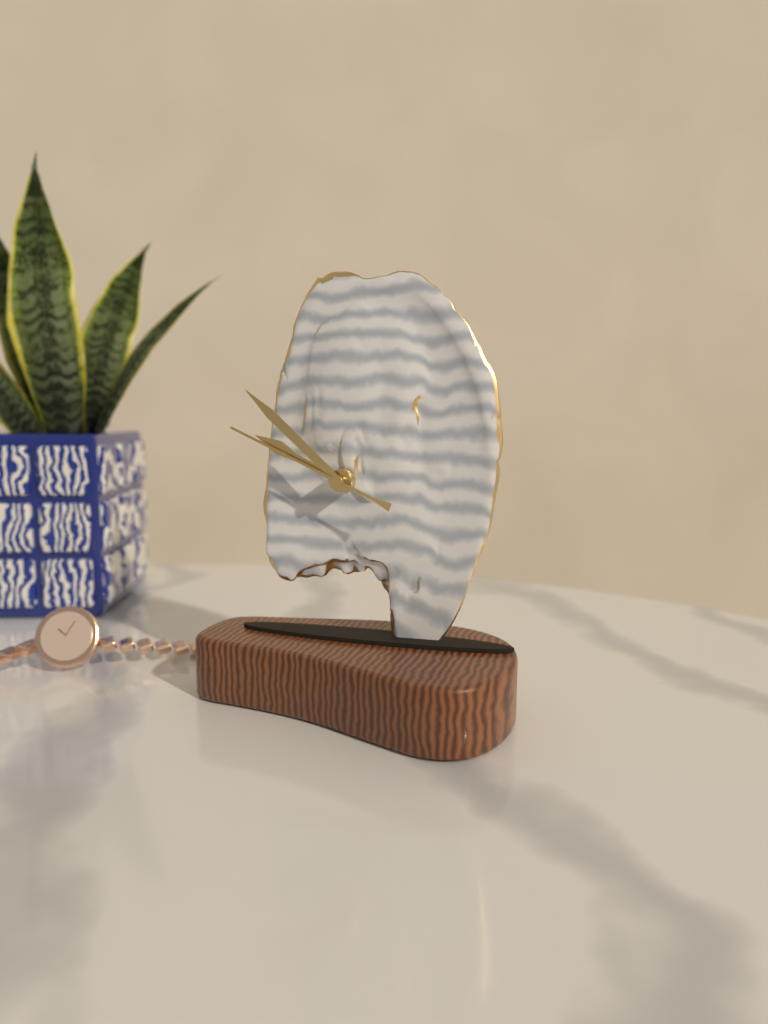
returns 9,52,49
